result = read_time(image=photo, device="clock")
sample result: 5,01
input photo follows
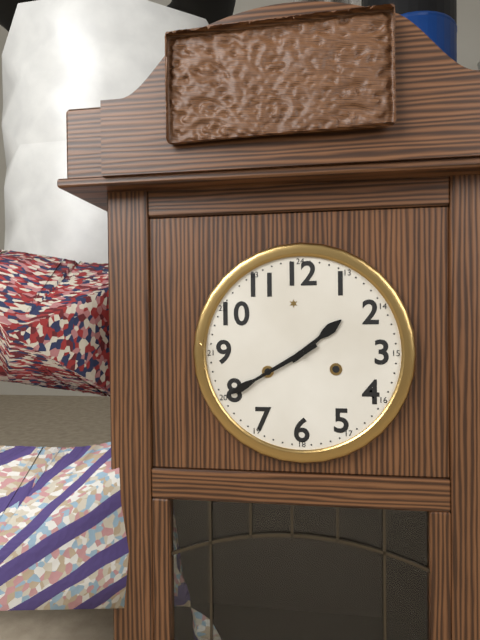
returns 1,40
